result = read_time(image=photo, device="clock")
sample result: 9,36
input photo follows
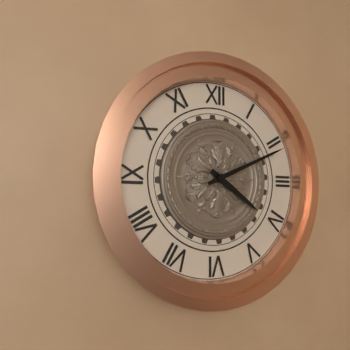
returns 4,11
